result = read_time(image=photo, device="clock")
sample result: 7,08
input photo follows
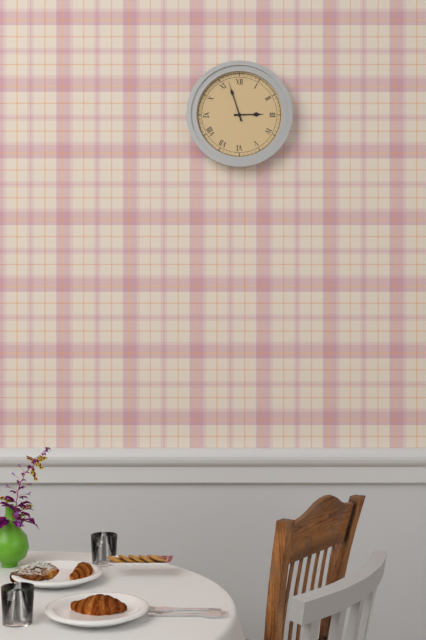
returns 2,57
